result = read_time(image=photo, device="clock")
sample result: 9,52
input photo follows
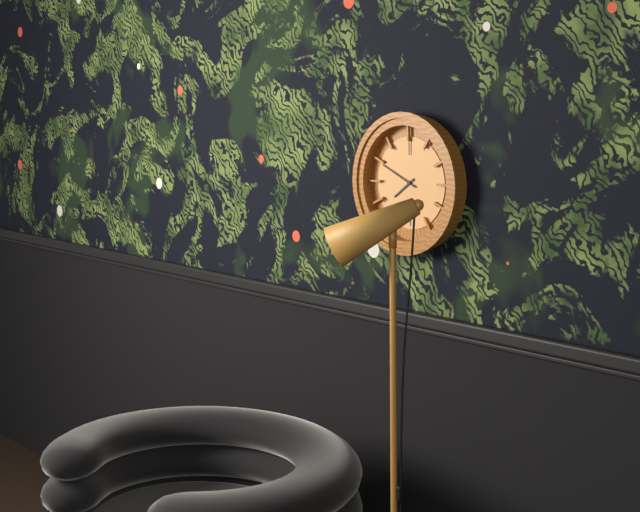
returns 7,49
